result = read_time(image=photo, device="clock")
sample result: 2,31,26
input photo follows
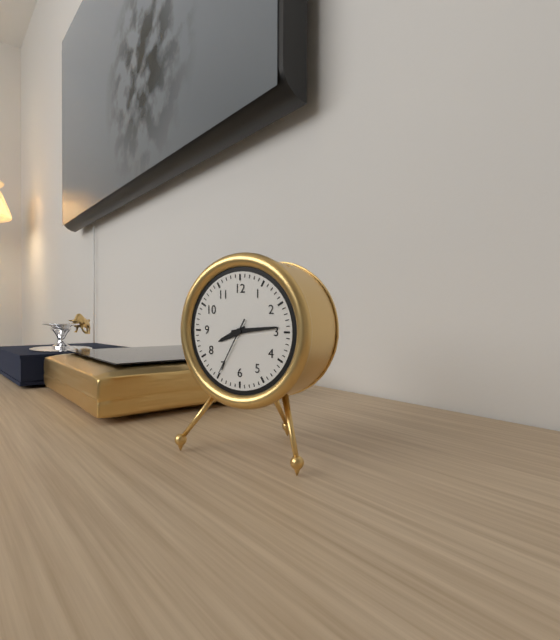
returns 8,14,35
